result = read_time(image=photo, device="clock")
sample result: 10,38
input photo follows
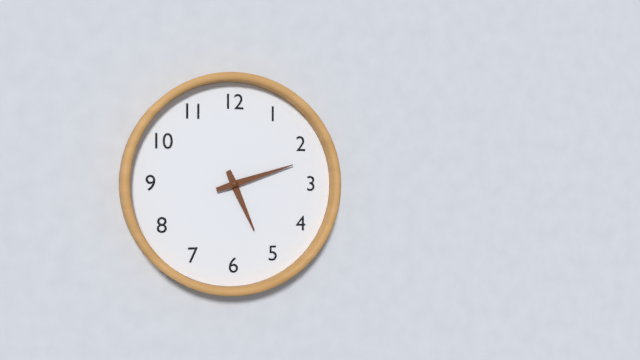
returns 5,12
